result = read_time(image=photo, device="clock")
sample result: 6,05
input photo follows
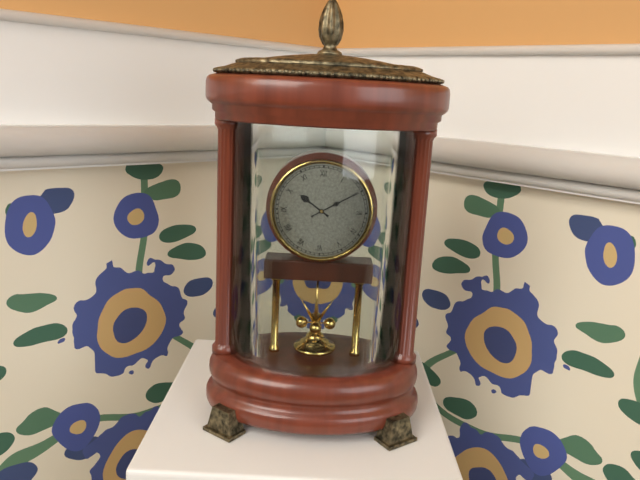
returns 10,10
